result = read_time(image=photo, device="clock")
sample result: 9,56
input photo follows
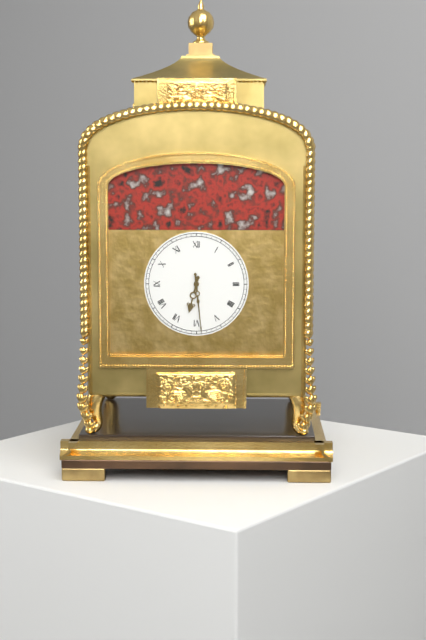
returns 6,29
